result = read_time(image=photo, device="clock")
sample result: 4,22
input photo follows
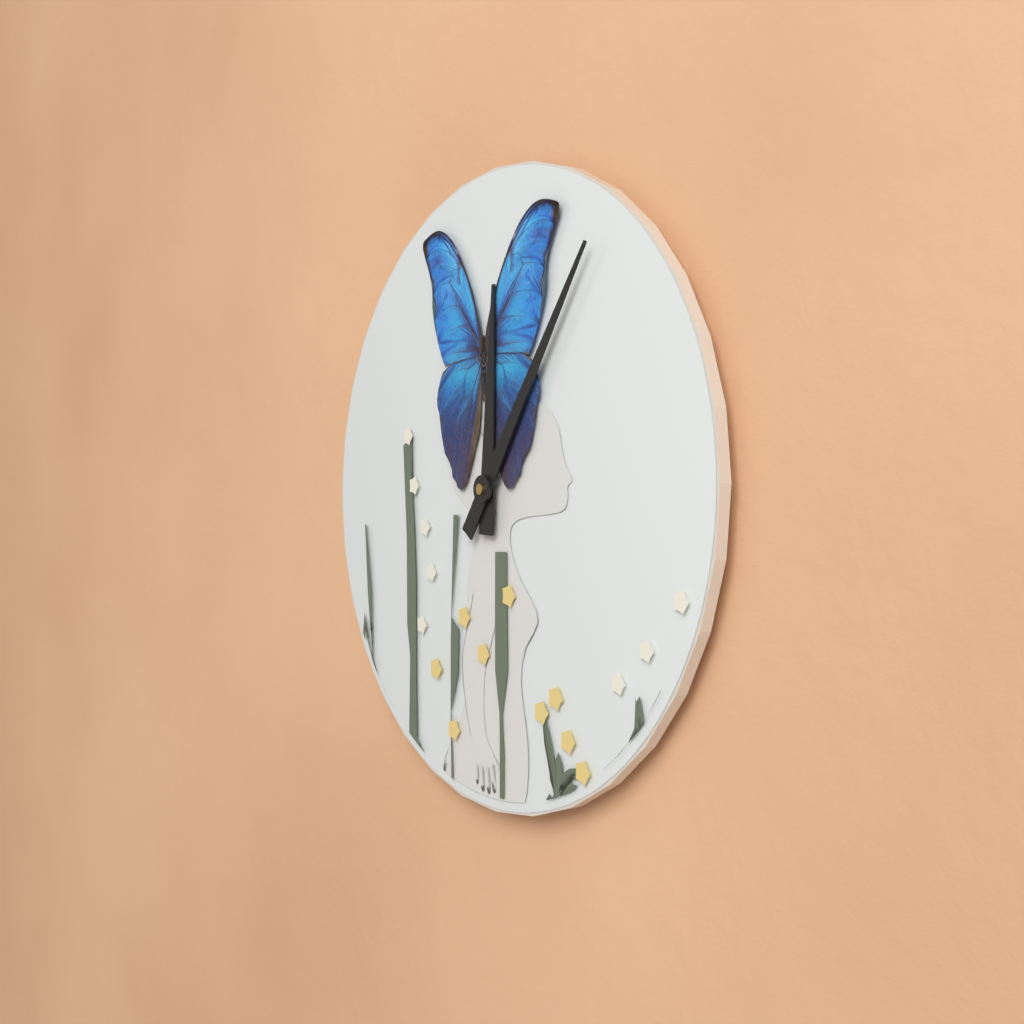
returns 12,06
